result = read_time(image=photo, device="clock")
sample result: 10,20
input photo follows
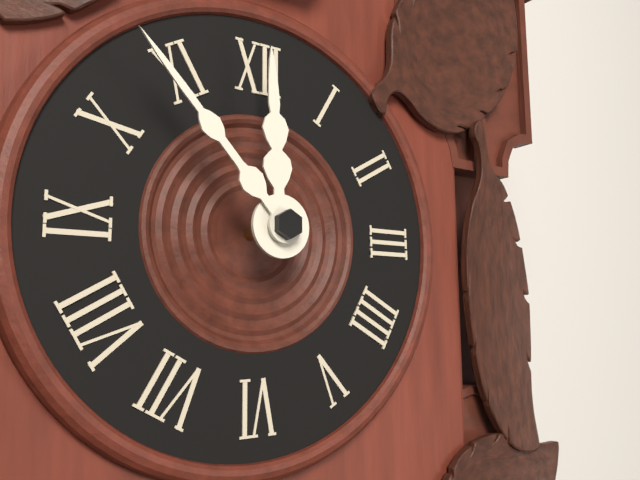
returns 11,53
